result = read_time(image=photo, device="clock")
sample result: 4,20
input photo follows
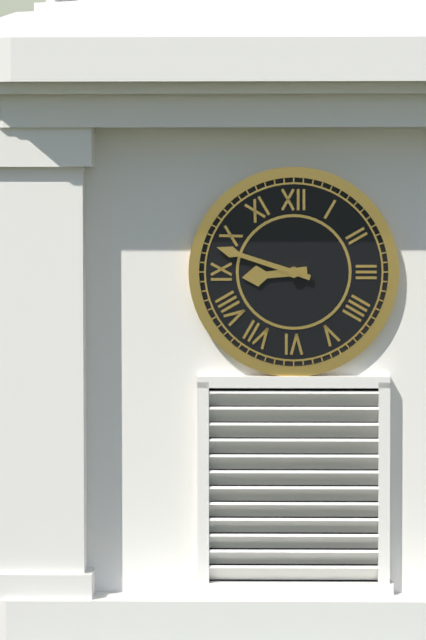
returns 8,48
